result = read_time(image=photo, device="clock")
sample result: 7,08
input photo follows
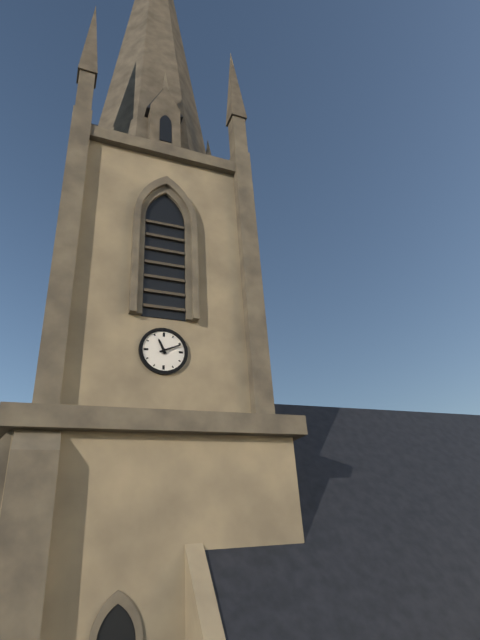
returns 11,11
